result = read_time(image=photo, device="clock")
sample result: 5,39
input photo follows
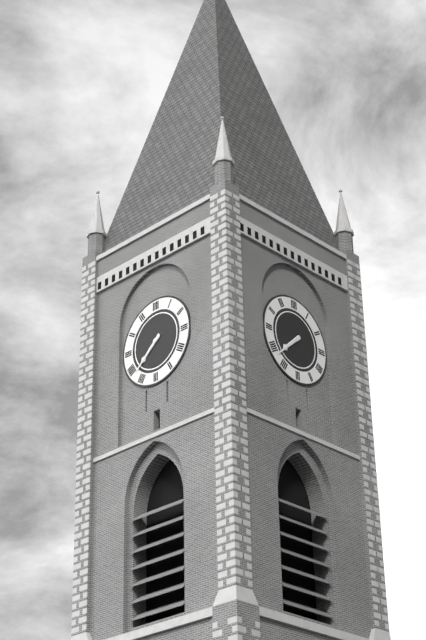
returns 7,38
